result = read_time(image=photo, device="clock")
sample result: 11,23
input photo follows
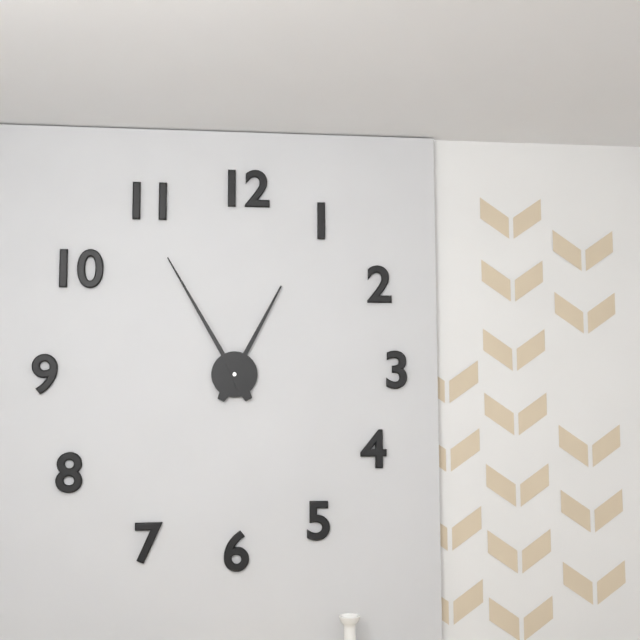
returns 12,55
